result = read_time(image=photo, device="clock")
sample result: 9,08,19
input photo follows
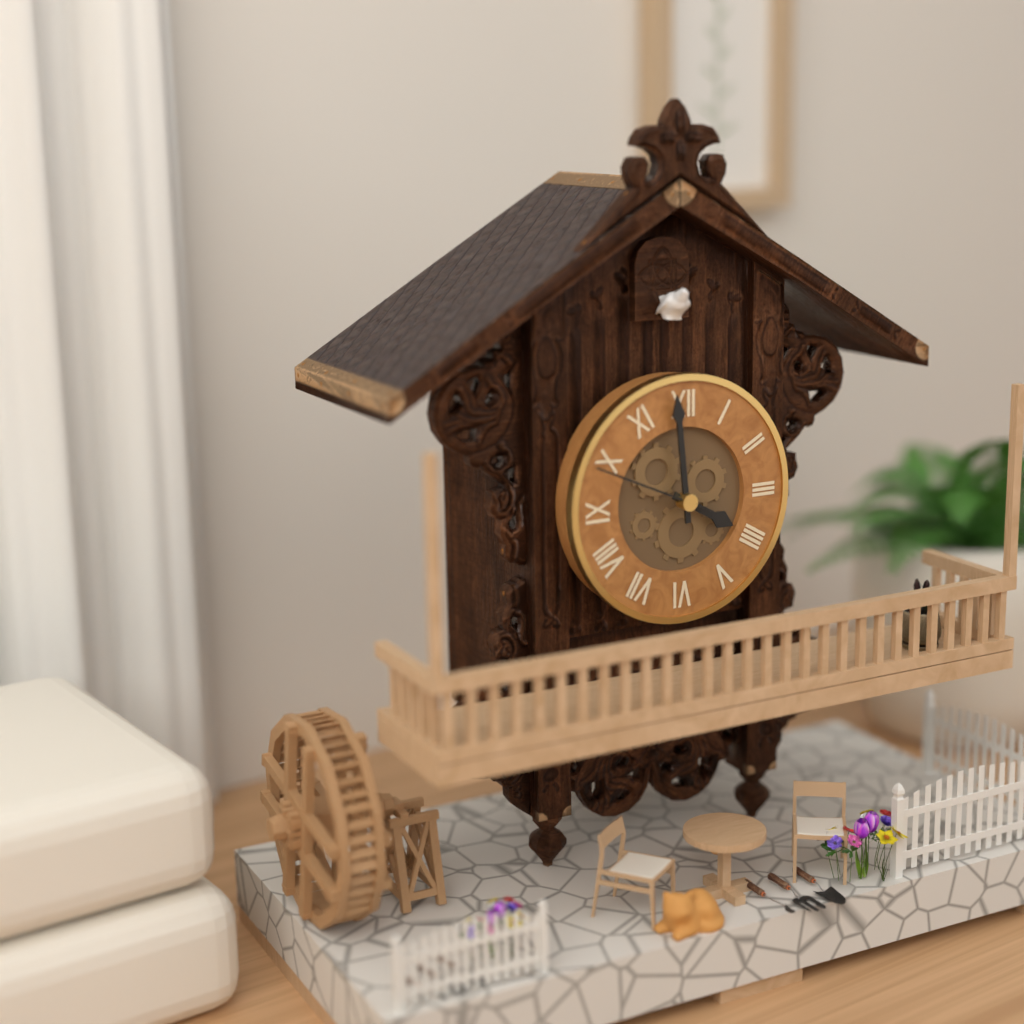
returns 3,59,49
